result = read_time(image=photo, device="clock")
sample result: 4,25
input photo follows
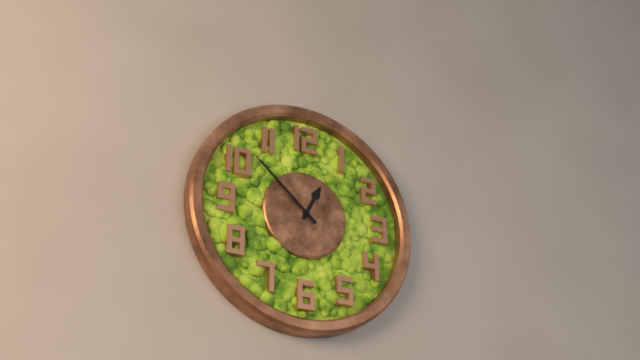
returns 12,52
